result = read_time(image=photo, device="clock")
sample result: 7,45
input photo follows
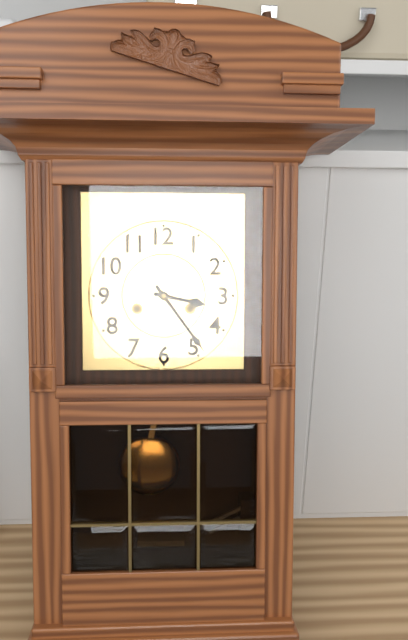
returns 3,24
